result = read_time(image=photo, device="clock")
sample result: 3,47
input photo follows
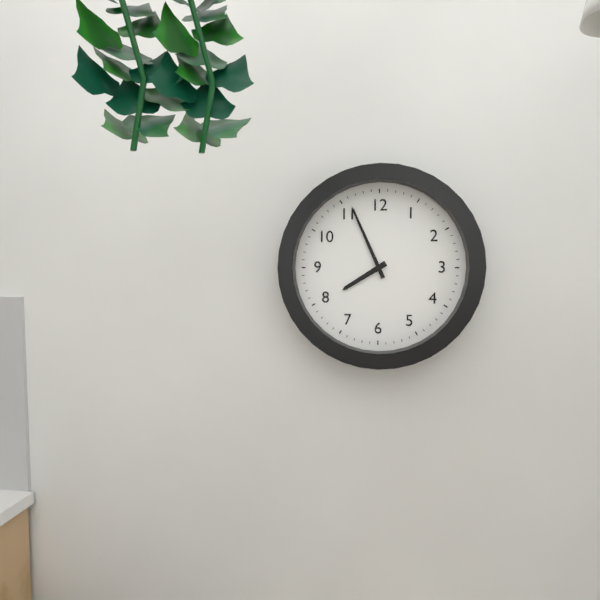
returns 7,56
